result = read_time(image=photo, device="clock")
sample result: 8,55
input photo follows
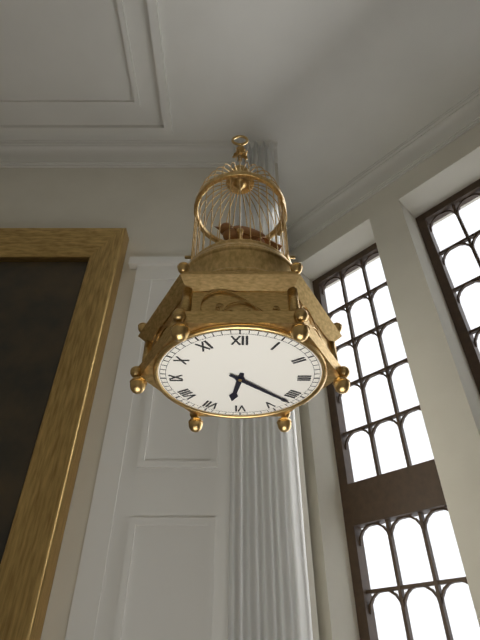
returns 6,22
